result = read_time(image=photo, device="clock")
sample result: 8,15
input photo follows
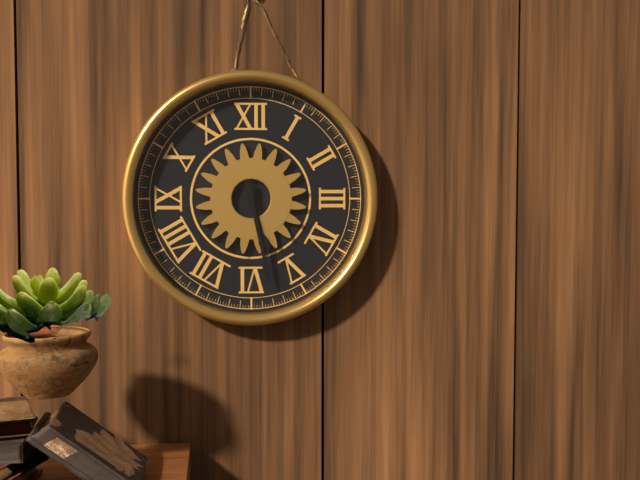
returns 5,28
